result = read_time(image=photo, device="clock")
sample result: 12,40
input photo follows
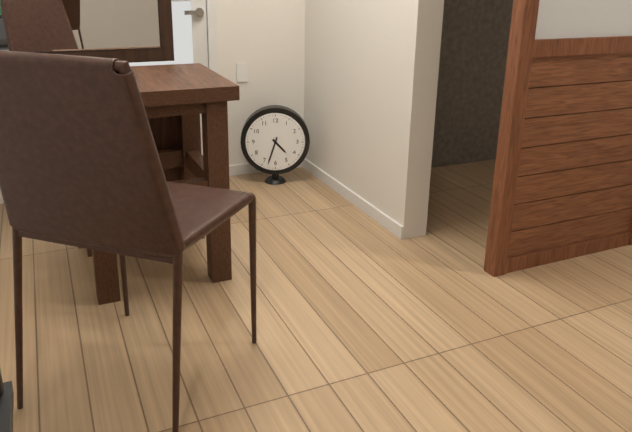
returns 4,33
